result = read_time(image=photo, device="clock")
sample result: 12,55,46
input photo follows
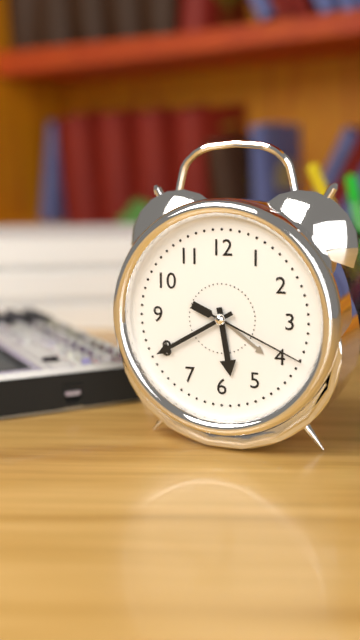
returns 5,40,19
